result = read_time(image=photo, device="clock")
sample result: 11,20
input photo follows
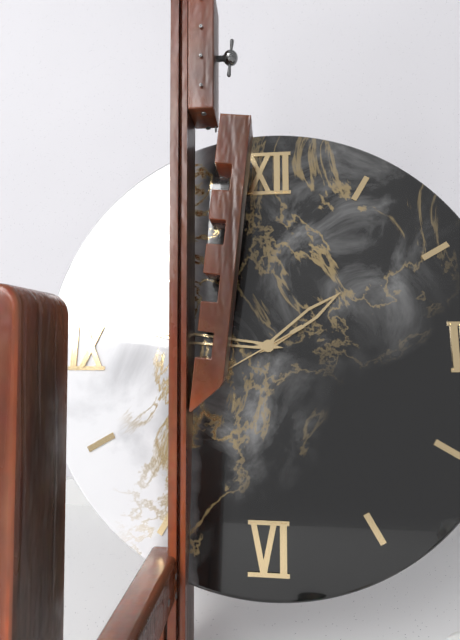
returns 1,46
